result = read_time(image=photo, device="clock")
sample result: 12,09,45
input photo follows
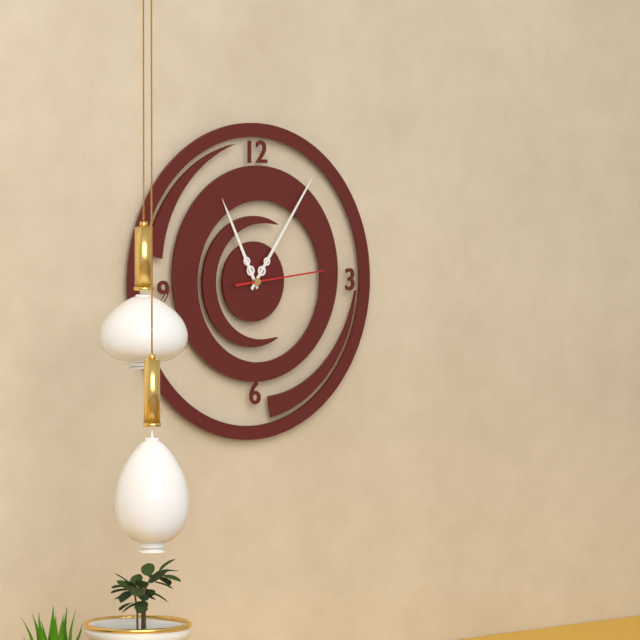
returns 11,06,14
